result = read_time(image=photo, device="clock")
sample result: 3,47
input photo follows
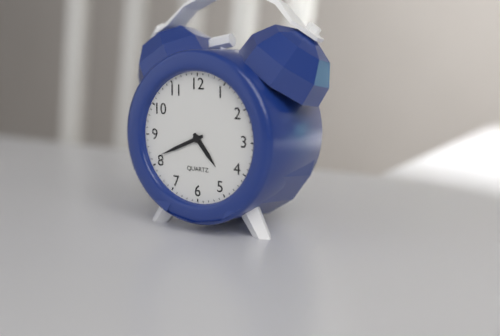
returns 4,41
